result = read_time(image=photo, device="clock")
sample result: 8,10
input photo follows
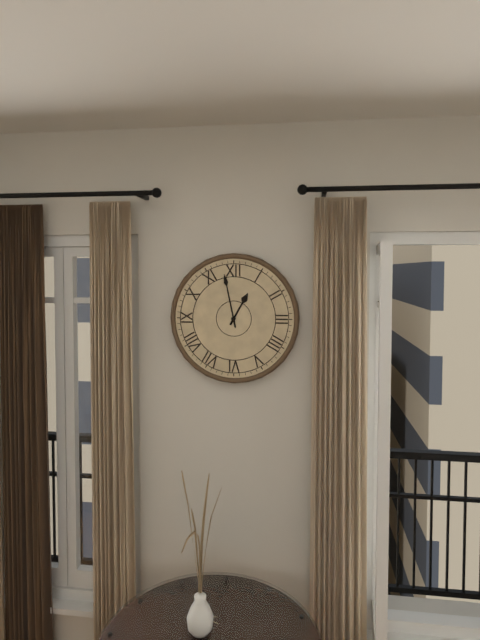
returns 12,58
